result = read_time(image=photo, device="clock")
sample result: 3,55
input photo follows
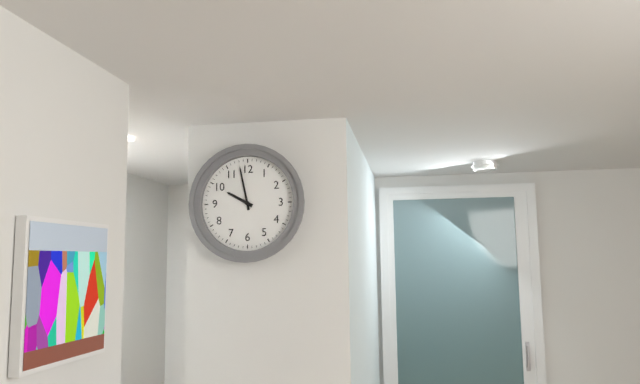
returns 9,58
